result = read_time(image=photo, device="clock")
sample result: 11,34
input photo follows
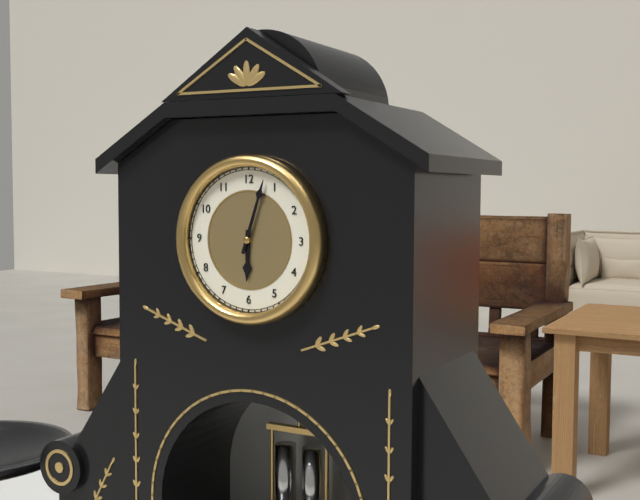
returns 6,03
